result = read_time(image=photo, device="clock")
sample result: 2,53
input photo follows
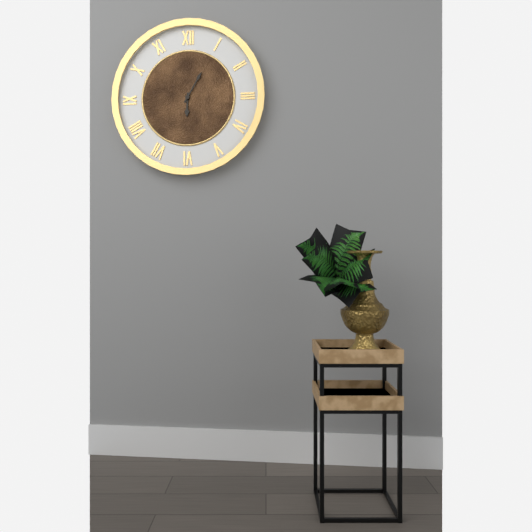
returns 6,05
